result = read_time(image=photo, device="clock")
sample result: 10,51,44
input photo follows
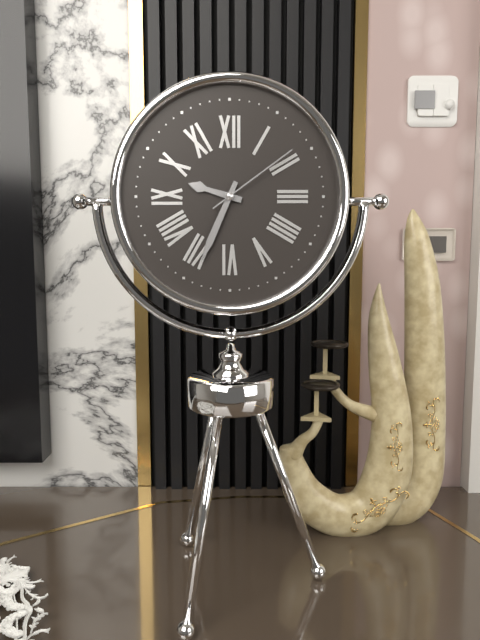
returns 9,34,09
